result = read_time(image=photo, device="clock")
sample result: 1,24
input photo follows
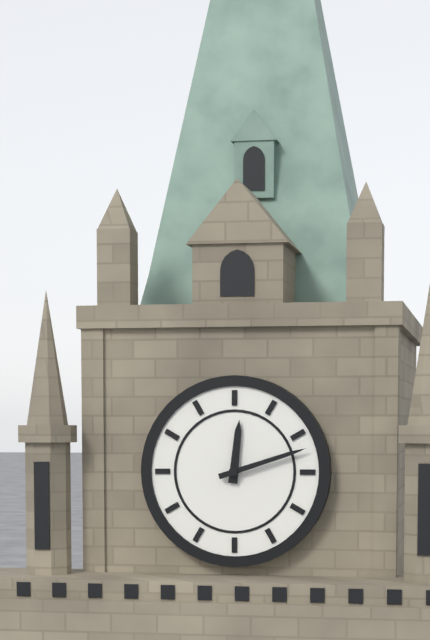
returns 12,12
